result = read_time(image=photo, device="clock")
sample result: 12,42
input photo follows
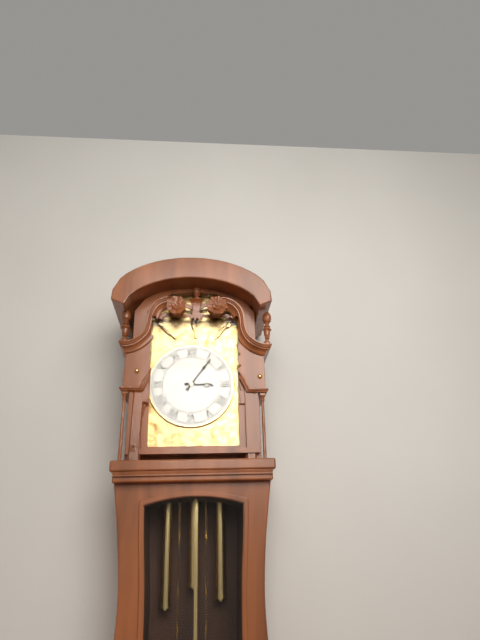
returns 3,06
